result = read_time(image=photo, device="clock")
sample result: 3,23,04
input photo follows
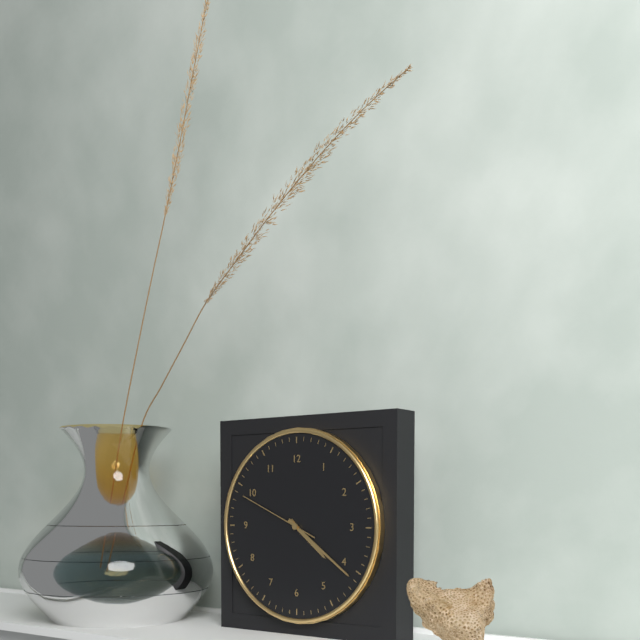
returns 4,21,49
